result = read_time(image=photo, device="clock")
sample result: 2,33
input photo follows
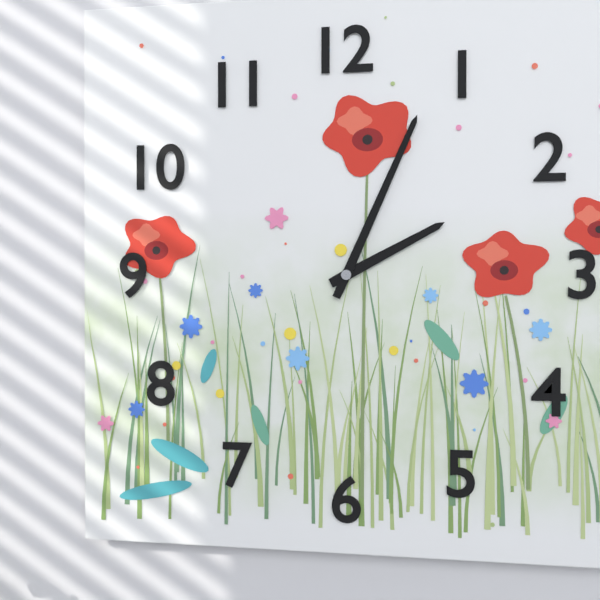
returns 2,04
